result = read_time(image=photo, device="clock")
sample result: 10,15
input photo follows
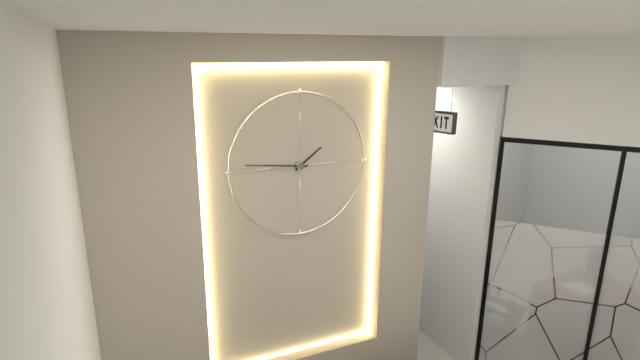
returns 1,46
